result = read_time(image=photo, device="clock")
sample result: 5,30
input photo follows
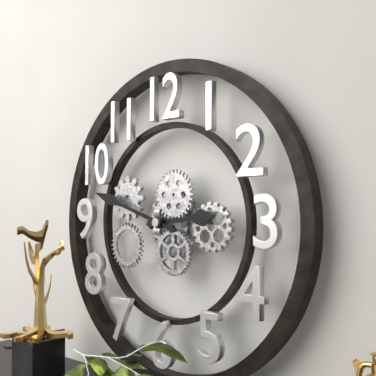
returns 2,48
